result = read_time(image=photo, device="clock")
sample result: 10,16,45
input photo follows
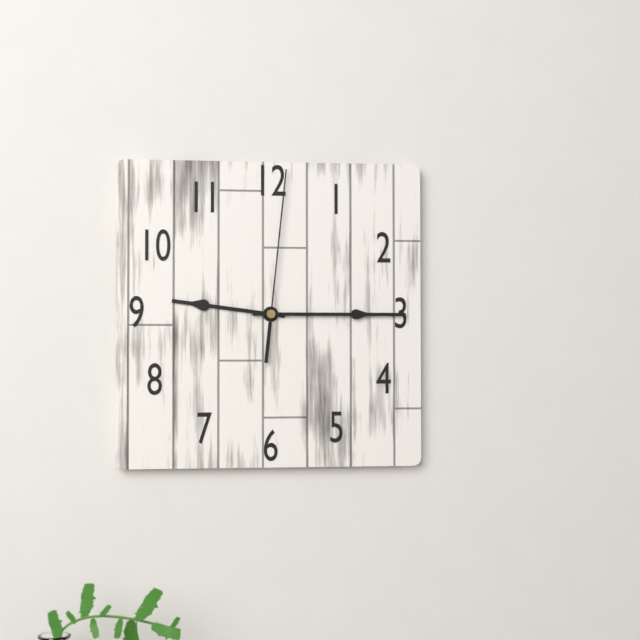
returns 9,15,01
